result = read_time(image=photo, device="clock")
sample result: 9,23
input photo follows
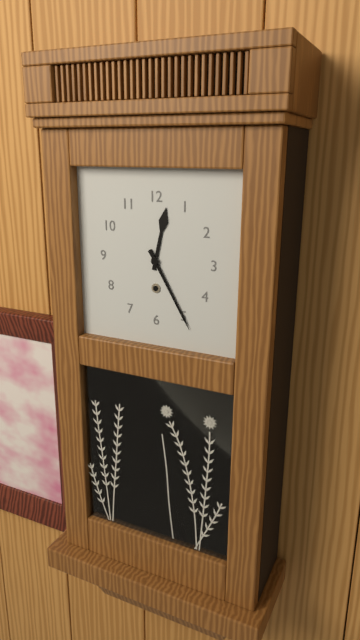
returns 12,25
